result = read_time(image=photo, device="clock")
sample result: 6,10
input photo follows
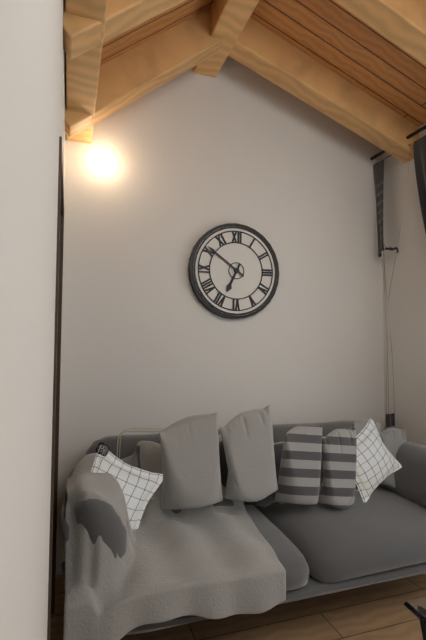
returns 6,51
